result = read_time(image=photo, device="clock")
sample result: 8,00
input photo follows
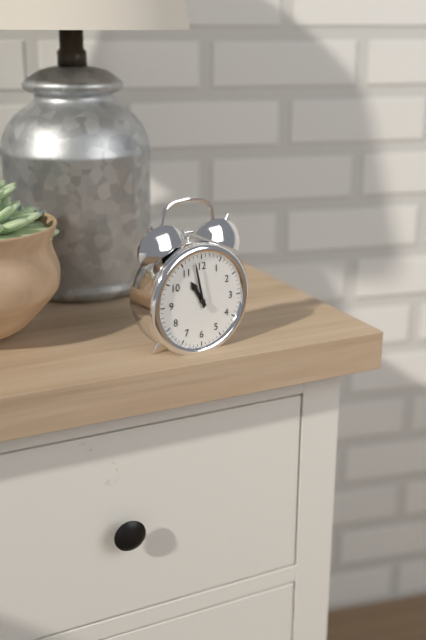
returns 10,58
